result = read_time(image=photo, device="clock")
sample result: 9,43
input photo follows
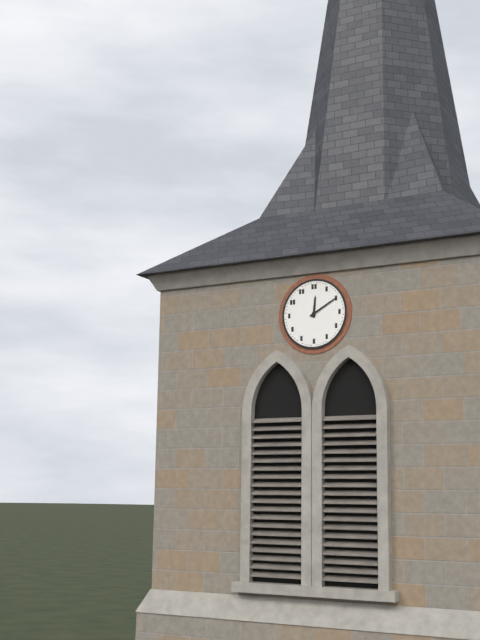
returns 12,10
